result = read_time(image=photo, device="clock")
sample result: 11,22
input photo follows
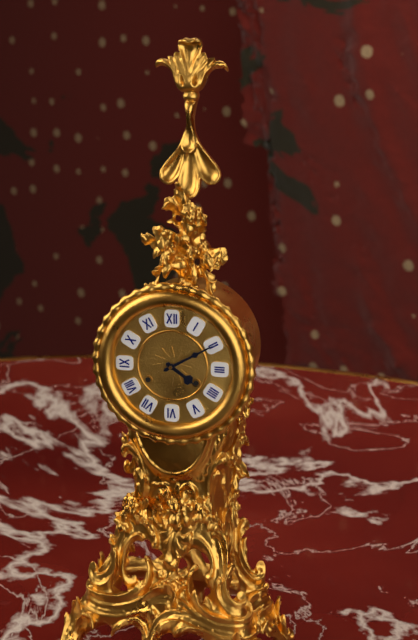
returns 4,10
